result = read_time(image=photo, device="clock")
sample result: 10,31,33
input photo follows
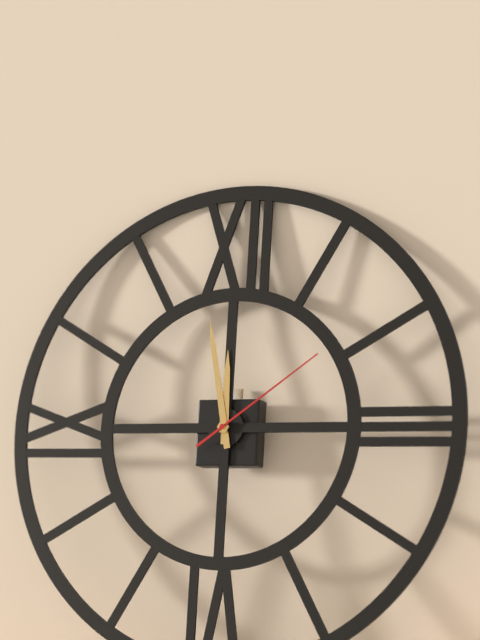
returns 11,58,09
